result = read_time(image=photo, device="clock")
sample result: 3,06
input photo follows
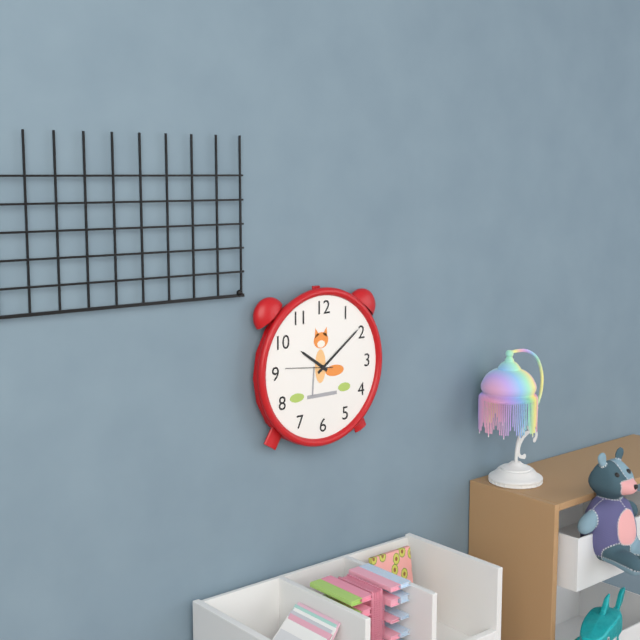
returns 10,09
